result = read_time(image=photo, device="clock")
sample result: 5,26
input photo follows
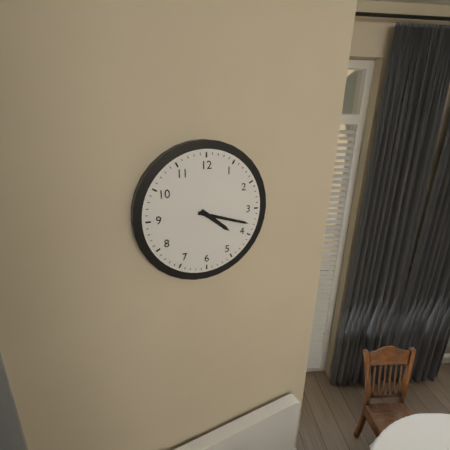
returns 4,18
